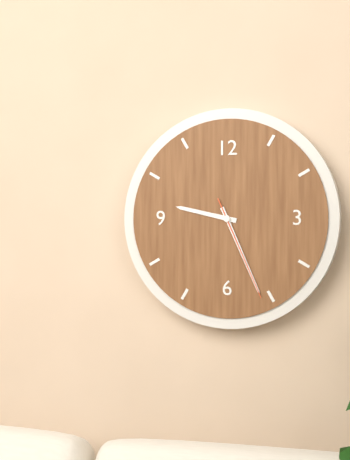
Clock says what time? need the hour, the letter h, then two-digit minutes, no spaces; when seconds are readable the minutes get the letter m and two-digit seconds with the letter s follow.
9h26m26s
